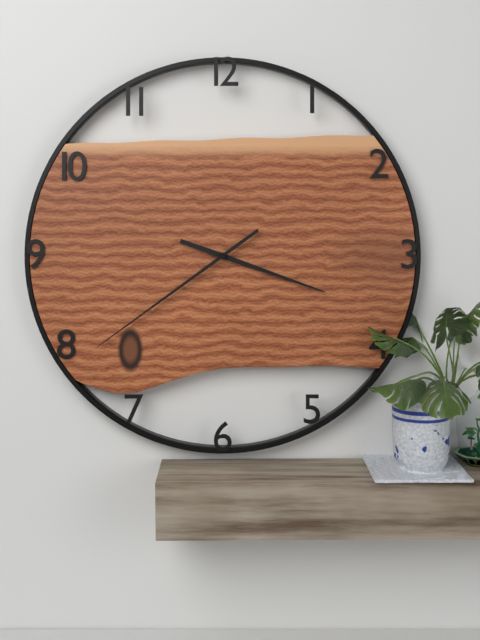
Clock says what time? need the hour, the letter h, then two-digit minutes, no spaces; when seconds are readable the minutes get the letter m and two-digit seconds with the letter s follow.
3h39
